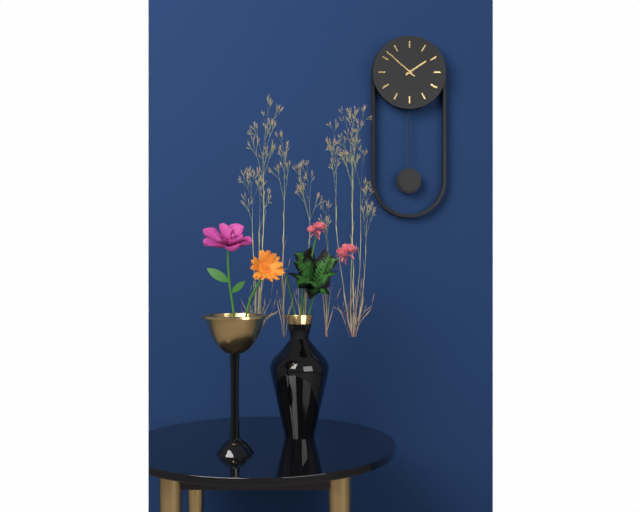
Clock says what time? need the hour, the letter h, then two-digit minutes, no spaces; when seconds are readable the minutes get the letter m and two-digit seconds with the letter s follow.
1h52
